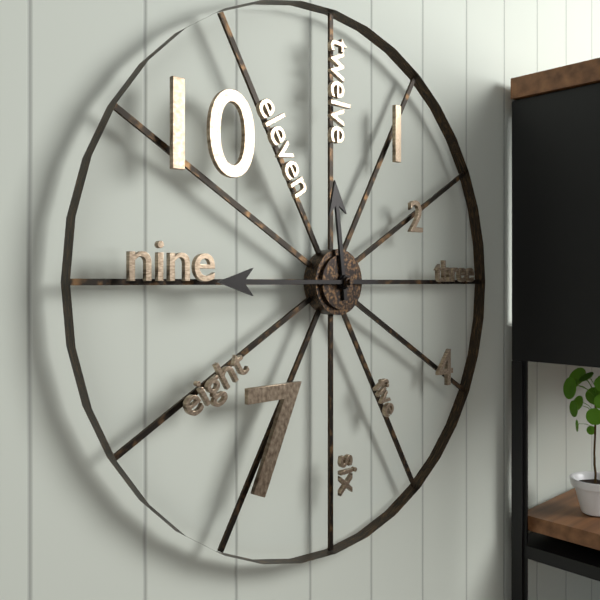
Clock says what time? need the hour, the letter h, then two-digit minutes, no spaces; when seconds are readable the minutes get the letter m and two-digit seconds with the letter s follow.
11h45
